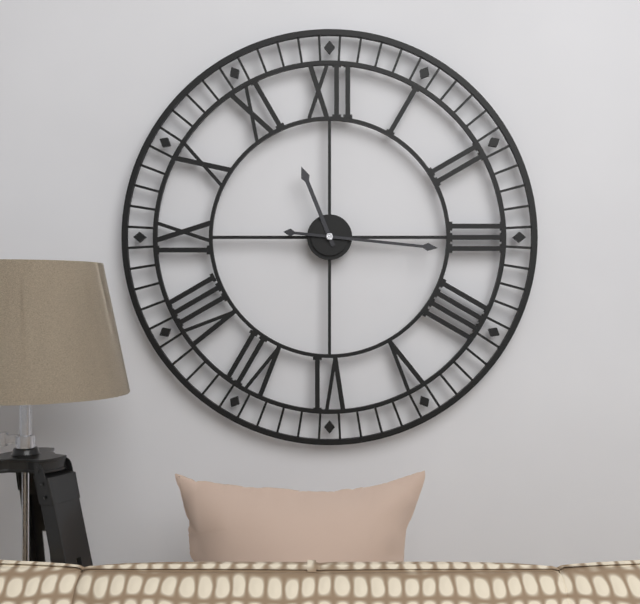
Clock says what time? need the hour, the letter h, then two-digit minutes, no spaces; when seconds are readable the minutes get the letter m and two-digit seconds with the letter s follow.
11h16
